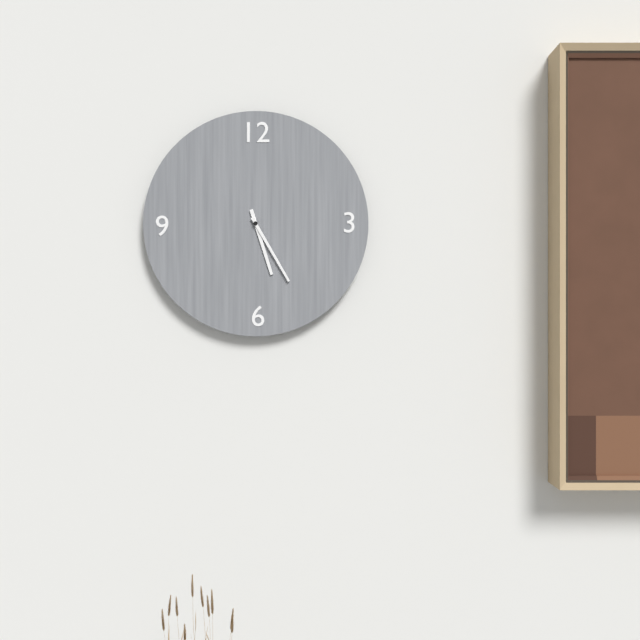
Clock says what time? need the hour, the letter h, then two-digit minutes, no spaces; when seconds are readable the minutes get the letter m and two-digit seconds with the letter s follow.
5h25
